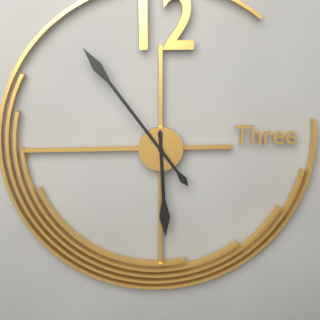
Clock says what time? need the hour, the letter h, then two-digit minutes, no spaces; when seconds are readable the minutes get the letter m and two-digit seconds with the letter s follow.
5h54
